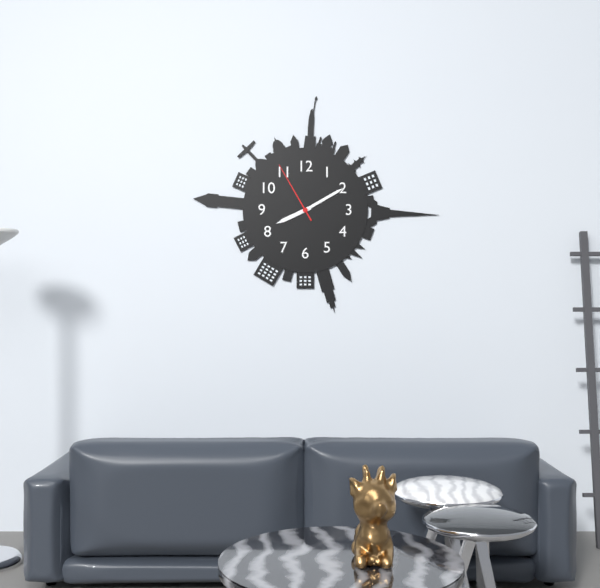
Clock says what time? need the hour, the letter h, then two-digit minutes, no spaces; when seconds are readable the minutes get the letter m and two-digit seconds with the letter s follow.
8h10m55s
